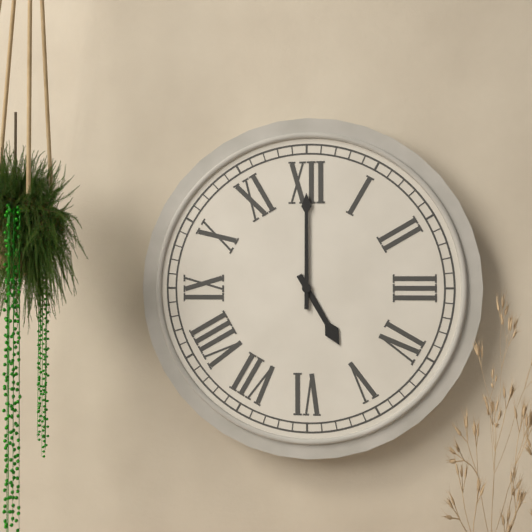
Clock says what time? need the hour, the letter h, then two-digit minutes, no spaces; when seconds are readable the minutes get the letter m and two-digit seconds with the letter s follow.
5h00
